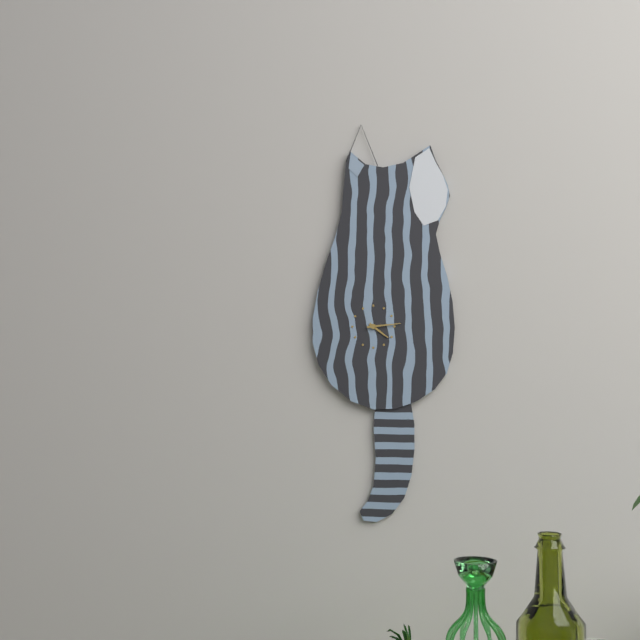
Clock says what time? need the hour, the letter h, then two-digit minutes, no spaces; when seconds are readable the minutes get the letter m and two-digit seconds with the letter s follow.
4h14
